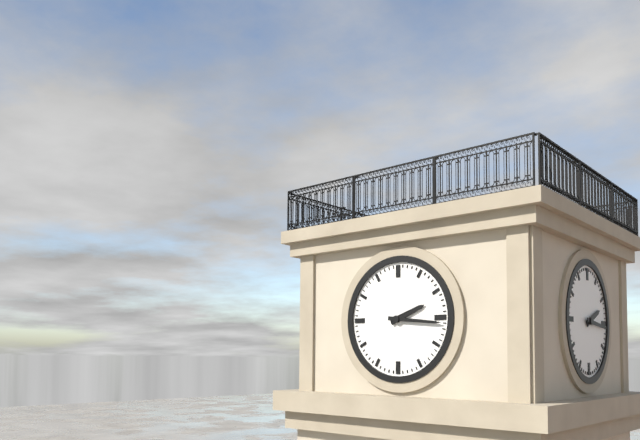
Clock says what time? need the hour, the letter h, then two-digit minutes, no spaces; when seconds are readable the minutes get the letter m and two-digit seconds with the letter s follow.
2h16
